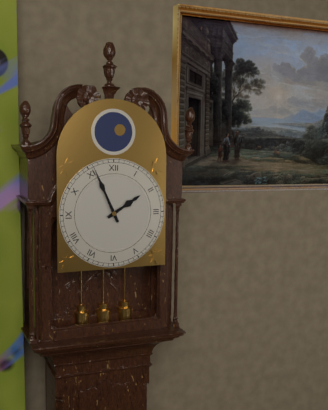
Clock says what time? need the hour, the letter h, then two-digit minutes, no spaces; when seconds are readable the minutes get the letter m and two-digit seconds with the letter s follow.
1h56
